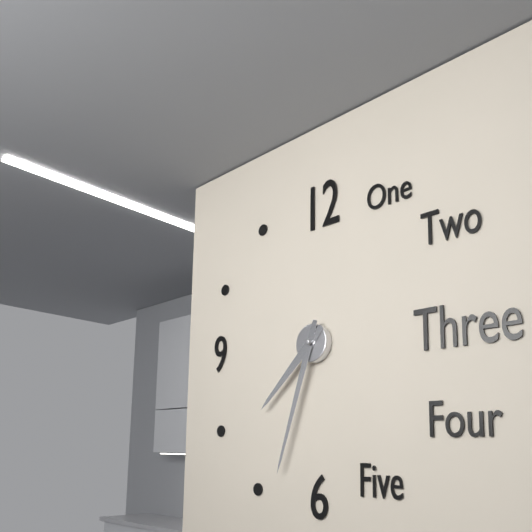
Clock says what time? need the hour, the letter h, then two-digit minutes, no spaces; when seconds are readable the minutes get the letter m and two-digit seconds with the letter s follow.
7h33
